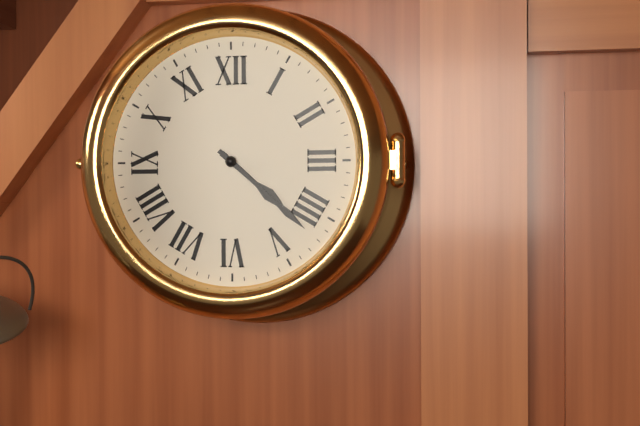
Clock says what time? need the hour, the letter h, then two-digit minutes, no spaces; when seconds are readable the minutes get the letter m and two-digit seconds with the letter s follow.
4h22
